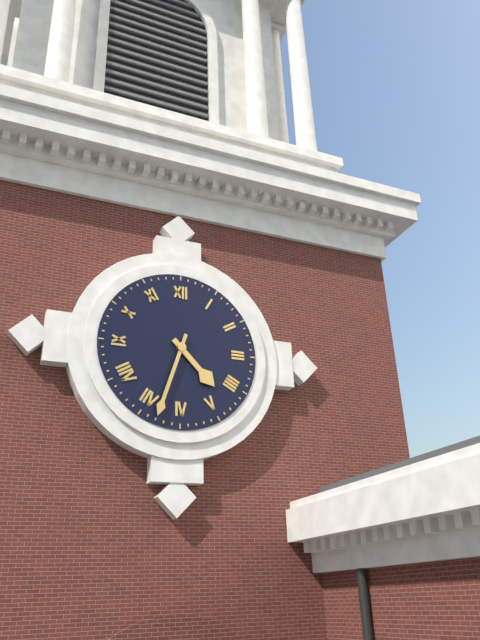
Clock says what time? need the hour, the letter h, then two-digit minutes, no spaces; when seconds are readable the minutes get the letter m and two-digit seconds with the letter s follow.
4h33
